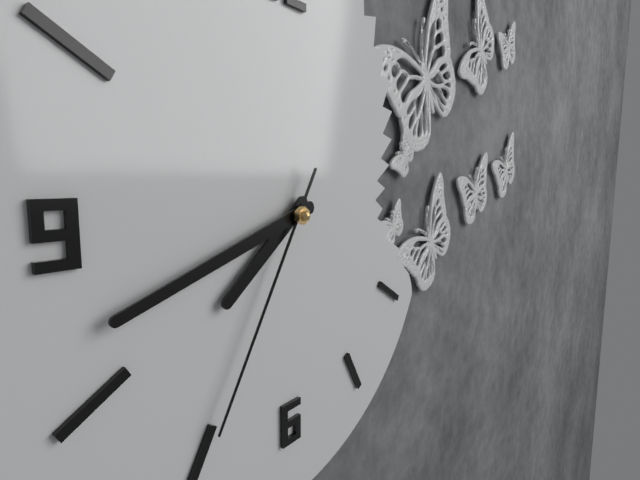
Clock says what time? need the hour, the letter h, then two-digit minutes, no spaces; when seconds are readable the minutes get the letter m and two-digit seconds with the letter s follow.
7h42m35s
